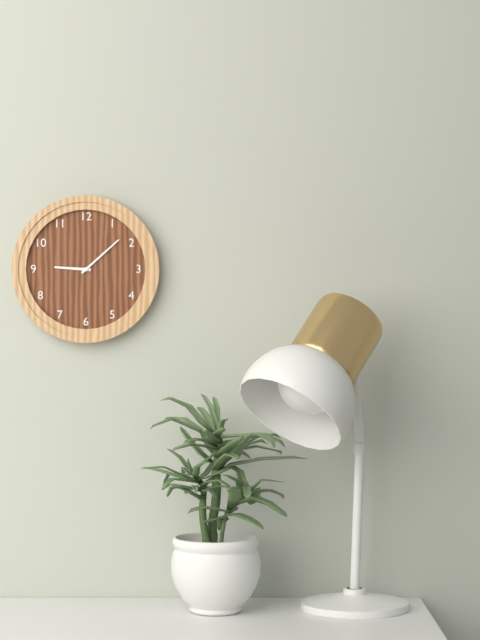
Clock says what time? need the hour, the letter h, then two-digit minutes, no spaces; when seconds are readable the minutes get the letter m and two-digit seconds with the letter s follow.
9h08
